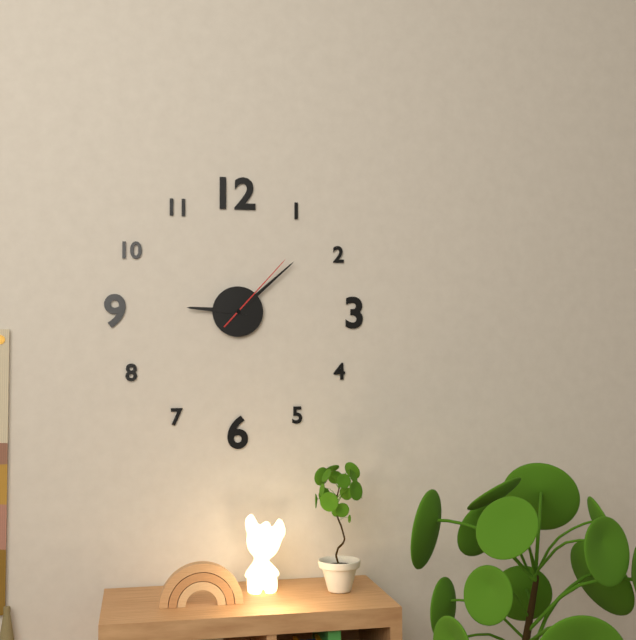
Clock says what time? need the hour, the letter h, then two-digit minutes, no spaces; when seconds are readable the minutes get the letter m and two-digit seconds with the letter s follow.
9h08m07s
